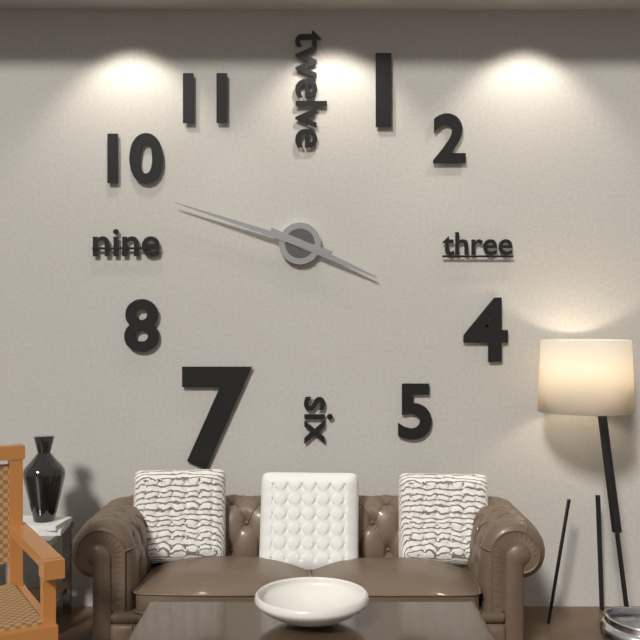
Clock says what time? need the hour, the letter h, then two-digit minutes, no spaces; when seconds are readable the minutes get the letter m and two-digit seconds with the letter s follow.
3h48
